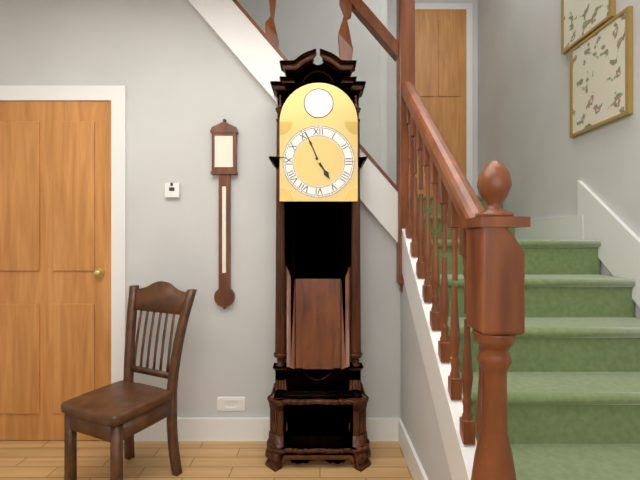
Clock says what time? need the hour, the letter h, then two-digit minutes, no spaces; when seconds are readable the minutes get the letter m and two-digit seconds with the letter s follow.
4h56
